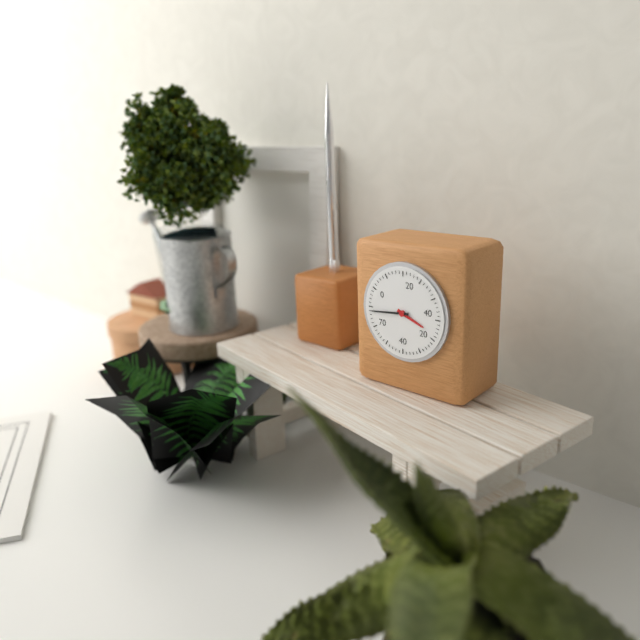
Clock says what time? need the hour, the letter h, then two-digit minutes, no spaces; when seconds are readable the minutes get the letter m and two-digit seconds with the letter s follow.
3h44
